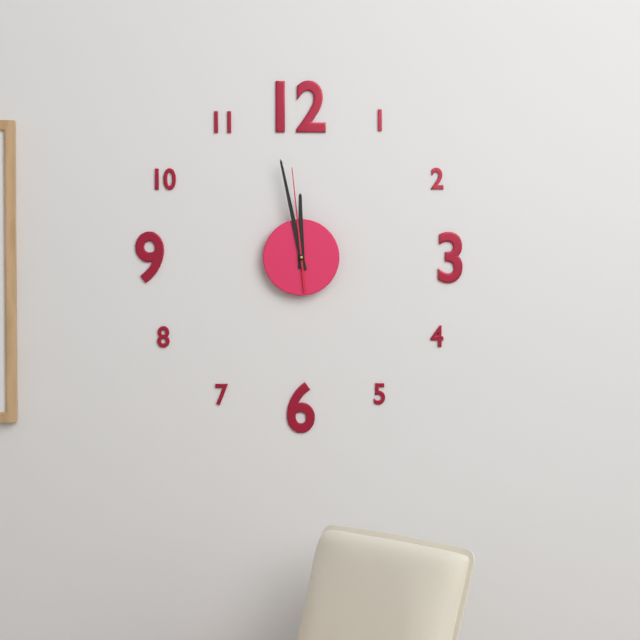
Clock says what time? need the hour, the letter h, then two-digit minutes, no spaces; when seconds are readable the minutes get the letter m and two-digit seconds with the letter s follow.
11h58m59s
